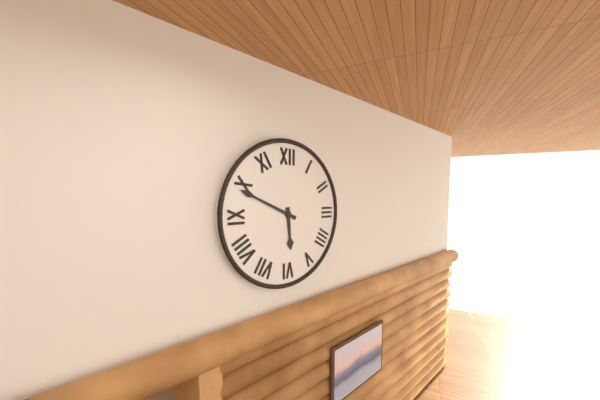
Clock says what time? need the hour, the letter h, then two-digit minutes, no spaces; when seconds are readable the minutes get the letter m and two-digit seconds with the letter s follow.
5h49
